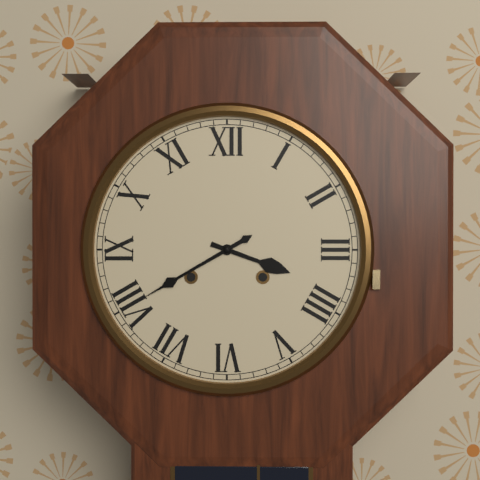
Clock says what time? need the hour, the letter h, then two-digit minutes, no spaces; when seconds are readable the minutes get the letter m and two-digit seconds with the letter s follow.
3h40
